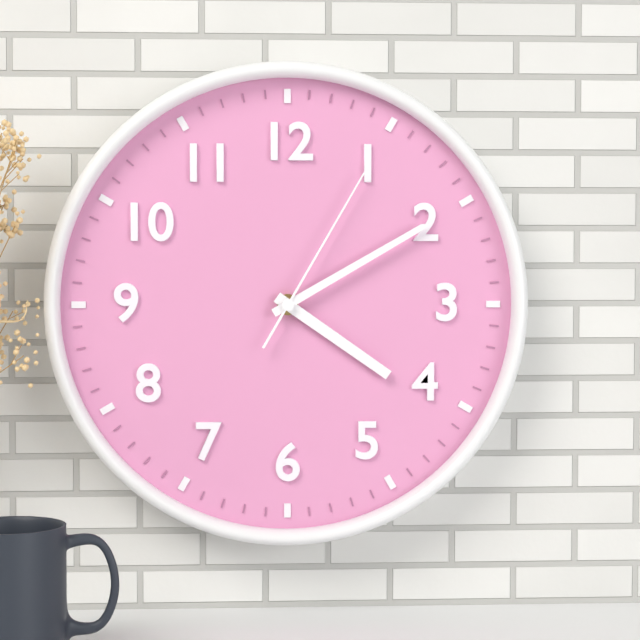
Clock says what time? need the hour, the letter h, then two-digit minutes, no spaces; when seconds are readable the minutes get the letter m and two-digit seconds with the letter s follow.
4h10m05s
